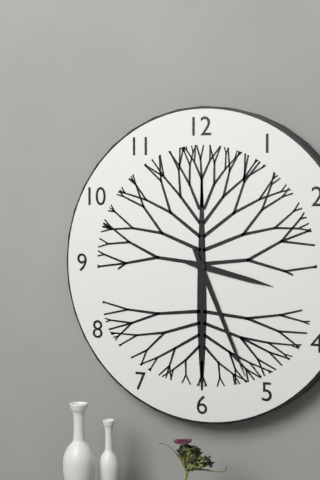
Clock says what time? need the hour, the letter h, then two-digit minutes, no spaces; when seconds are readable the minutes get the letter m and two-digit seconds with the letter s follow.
3h26
